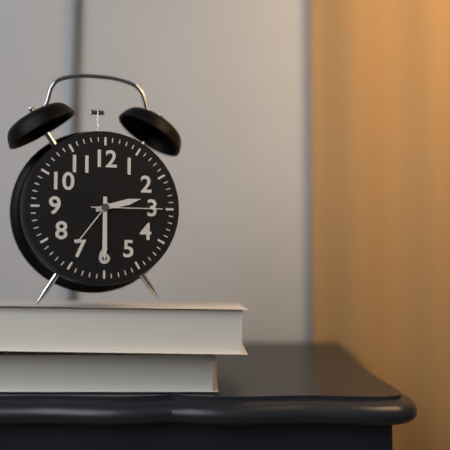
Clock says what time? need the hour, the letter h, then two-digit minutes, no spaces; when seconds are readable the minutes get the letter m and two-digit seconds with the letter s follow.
2h30m15s
